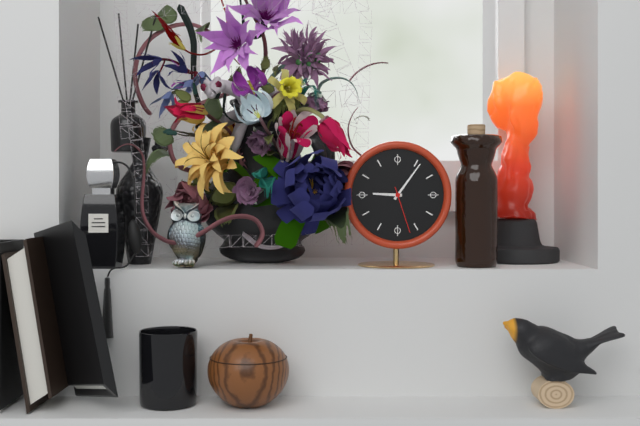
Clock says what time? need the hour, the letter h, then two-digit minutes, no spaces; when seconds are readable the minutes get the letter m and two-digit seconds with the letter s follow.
9h06m27s
